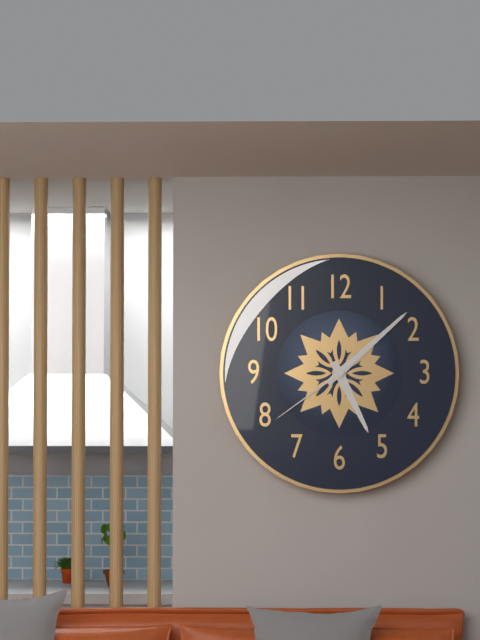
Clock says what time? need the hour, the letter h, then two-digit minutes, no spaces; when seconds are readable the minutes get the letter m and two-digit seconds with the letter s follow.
5h08m39s
